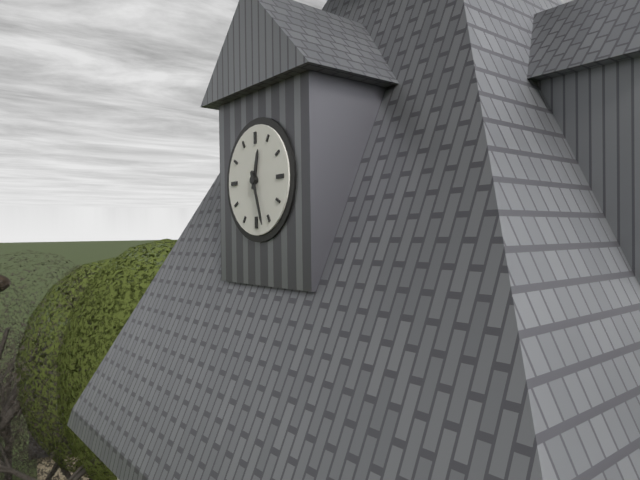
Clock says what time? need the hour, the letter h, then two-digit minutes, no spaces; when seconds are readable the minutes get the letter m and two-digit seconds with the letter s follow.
12h27
